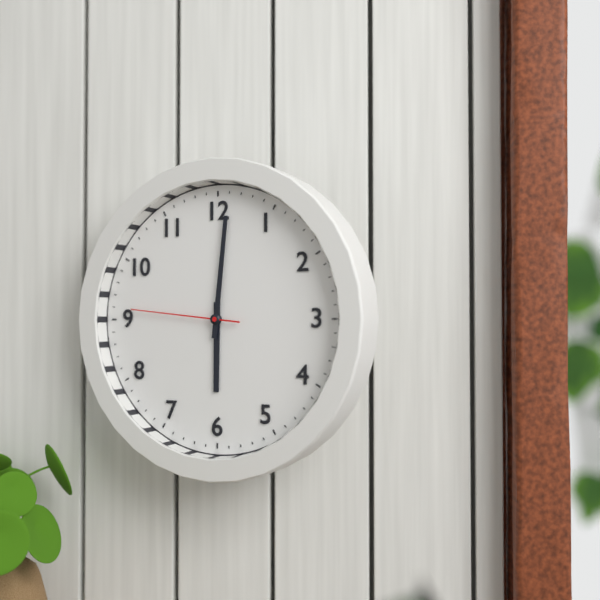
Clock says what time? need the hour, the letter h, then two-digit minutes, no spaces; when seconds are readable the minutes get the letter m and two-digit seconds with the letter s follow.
6h01m46s
